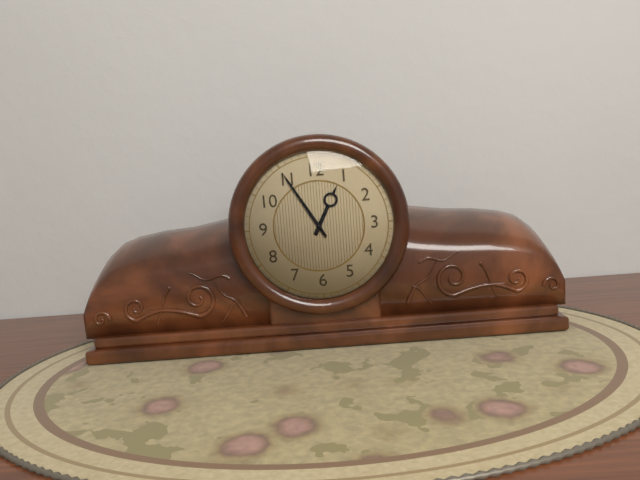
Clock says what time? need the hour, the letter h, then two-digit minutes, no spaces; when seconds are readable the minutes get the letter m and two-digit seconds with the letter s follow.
12h55
